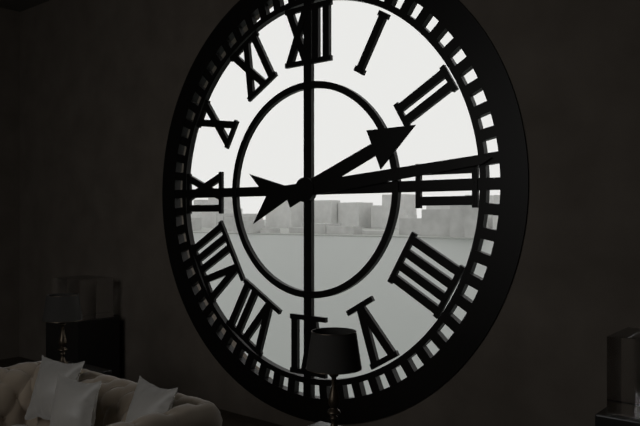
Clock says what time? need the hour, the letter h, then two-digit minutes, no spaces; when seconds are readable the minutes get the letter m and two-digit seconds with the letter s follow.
2h14
